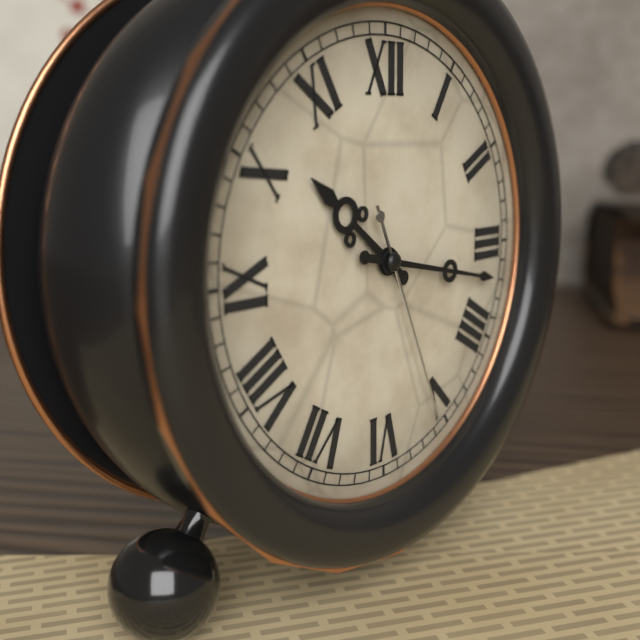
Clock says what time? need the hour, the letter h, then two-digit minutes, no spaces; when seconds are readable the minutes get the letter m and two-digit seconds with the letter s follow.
10h17m26s
